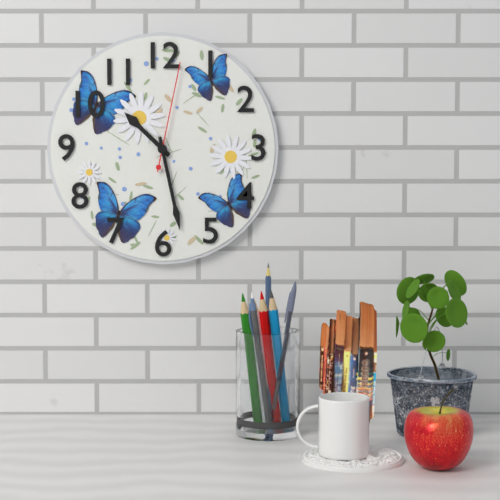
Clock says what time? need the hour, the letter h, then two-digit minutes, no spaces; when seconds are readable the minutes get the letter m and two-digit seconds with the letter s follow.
10h28m02s
